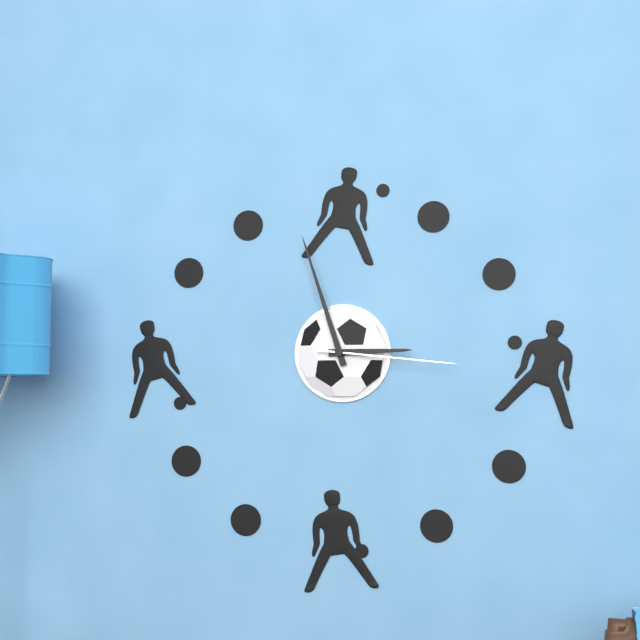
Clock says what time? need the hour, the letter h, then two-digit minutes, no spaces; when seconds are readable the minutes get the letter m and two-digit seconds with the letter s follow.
2h57m16s
